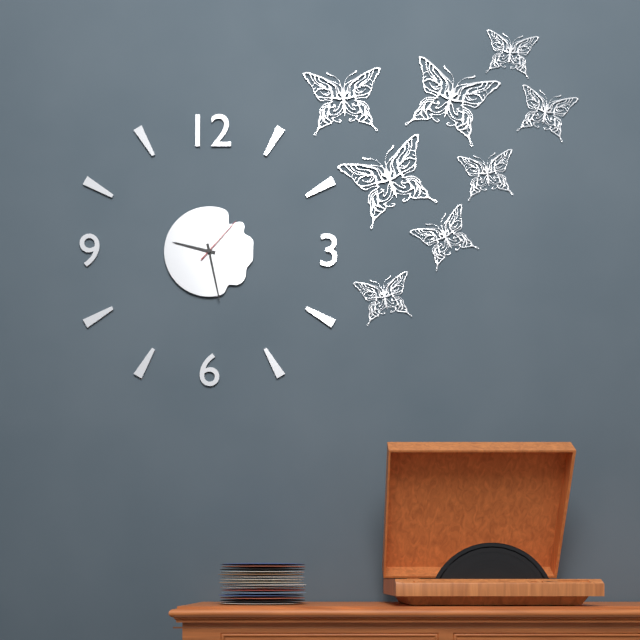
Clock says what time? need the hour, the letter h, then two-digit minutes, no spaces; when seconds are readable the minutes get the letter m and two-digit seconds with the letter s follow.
9h28m07s
